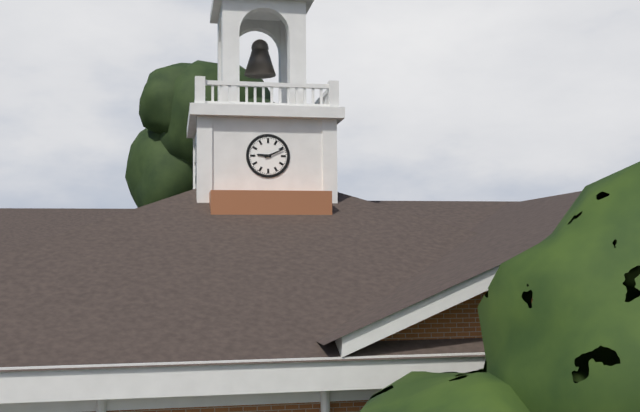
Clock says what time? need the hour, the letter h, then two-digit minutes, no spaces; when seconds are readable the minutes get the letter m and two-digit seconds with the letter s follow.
9h11
